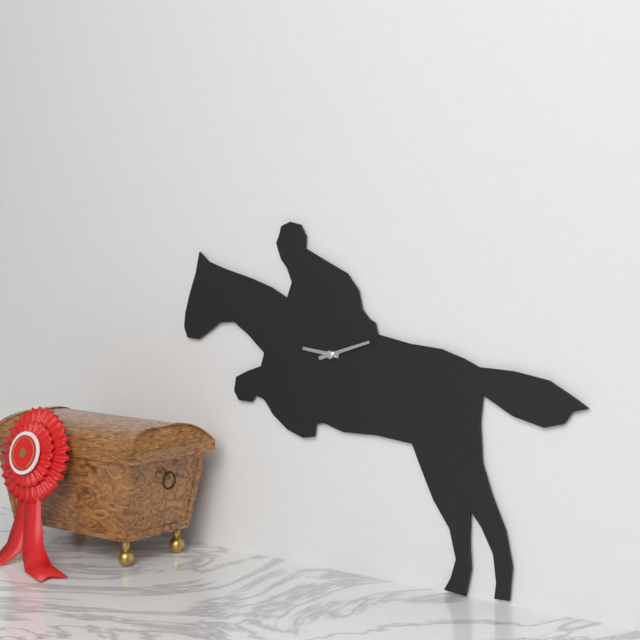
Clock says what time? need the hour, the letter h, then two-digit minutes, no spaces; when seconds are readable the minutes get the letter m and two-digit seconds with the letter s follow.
9h12
